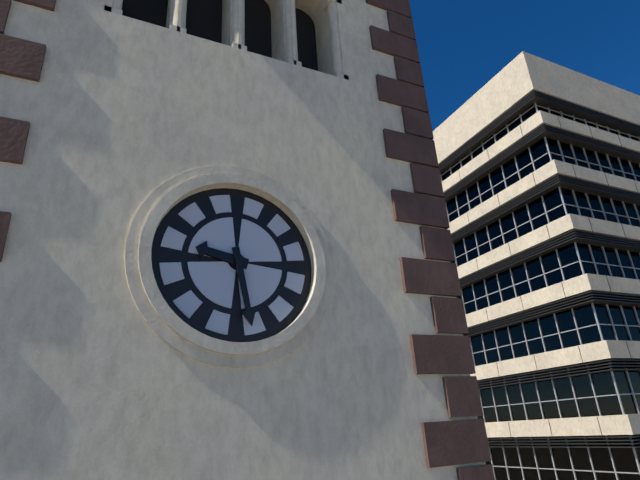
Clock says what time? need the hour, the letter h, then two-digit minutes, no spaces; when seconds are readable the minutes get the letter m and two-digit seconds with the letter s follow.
9h28
